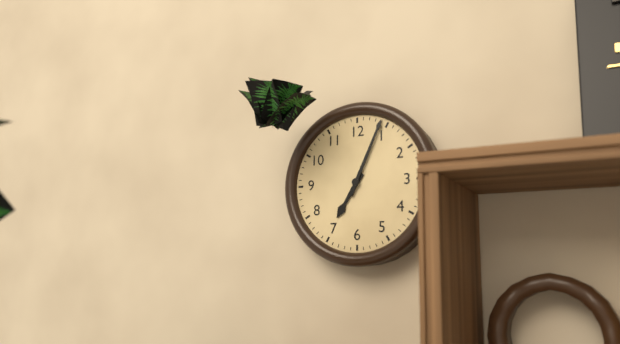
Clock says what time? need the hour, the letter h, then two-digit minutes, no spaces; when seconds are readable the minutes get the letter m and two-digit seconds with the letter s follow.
7h04
